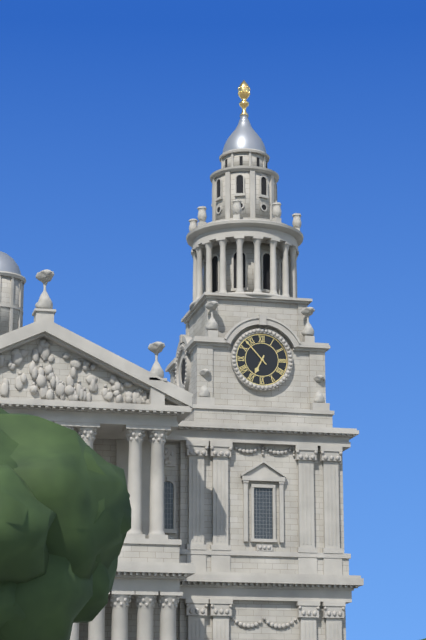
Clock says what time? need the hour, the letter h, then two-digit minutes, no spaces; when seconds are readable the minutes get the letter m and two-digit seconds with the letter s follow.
6h53
